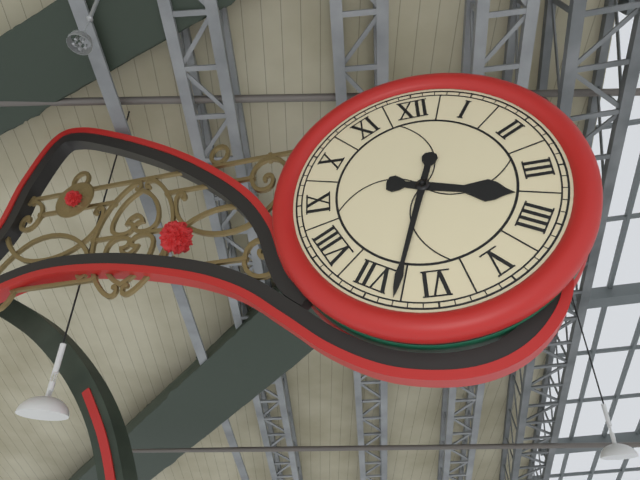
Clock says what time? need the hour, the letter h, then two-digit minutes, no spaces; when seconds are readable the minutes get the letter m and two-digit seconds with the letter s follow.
3h33
